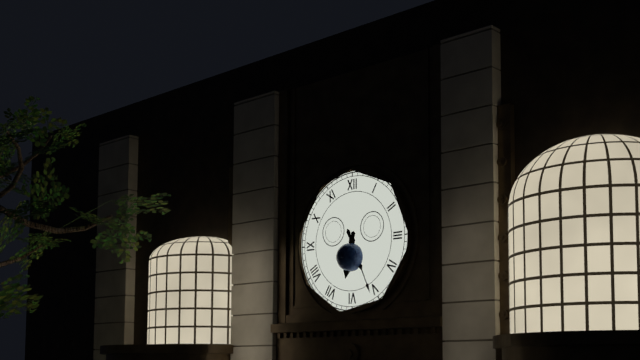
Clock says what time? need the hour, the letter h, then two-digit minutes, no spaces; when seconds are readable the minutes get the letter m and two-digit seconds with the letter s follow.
6h26
